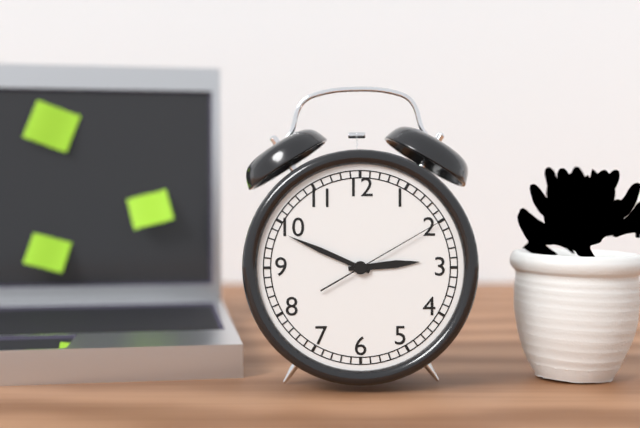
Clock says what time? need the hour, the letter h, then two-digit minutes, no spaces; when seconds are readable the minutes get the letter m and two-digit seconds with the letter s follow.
2h49m10s
